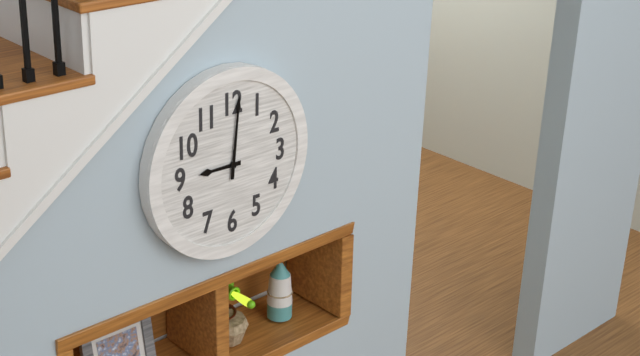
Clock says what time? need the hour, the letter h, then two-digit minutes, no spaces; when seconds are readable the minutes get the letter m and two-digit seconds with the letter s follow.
9h01
